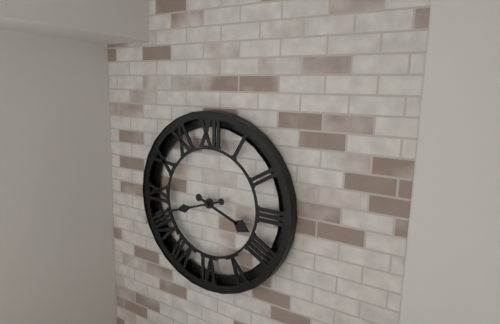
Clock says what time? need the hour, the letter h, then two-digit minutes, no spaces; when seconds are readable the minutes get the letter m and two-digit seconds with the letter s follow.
3h42
